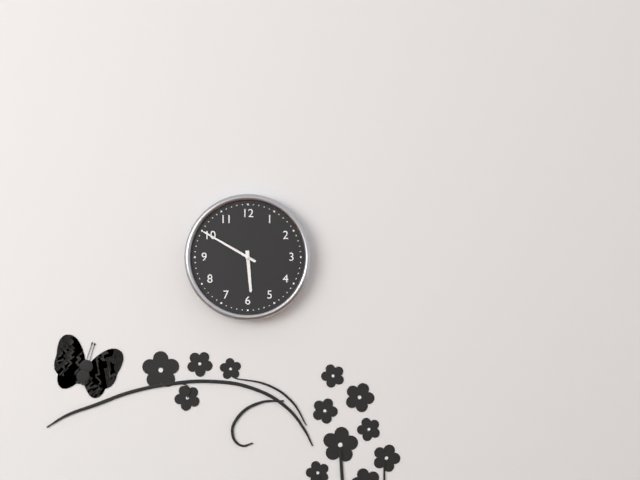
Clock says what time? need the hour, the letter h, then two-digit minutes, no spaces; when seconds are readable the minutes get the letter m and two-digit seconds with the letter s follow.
5h50
